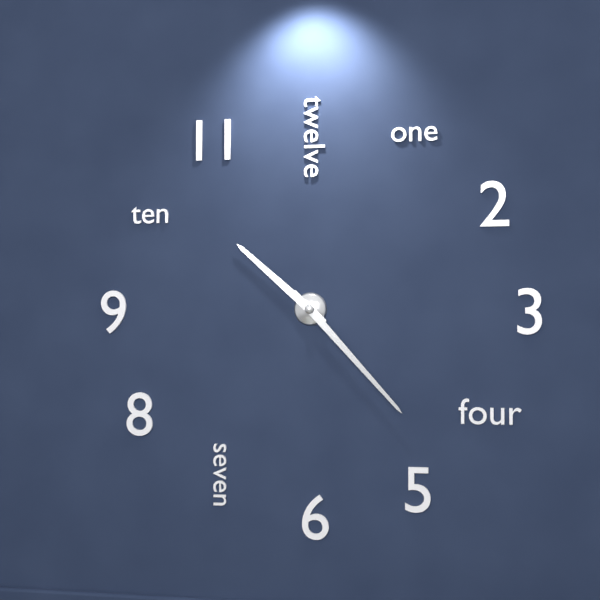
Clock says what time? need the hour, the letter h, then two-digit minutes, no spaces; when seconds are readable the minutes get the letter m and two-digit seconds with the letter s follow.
10h23
